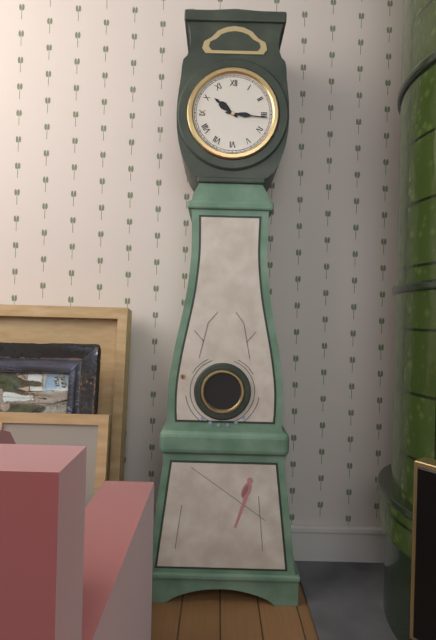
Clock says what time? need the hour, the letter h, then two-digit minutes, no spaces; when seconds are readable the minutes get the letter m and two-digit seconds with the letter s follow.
10h16
